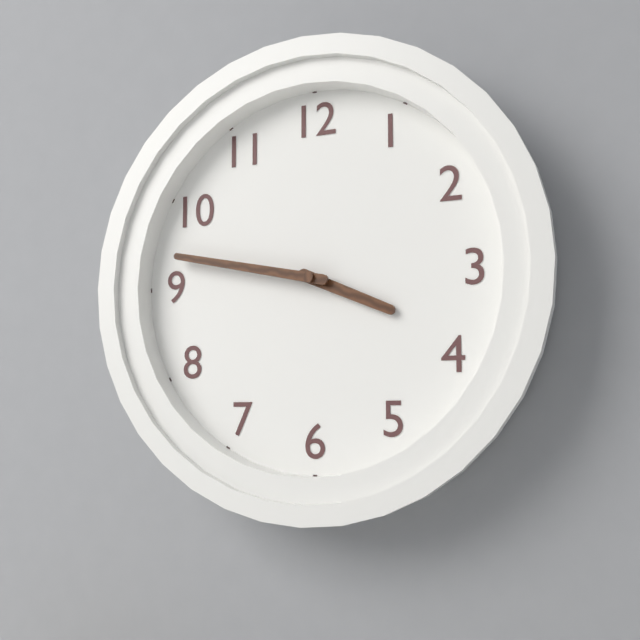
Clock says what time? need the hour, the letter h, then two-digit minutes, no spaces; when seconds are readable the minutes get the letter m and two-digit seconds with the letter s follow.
3h47
